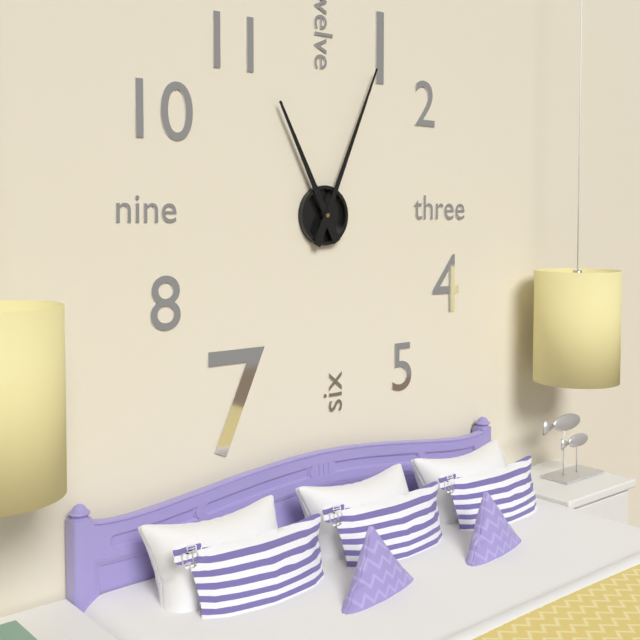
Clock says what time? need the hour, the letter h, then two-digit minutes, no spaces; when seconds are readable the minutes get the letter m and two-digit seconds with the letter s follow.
11h04
